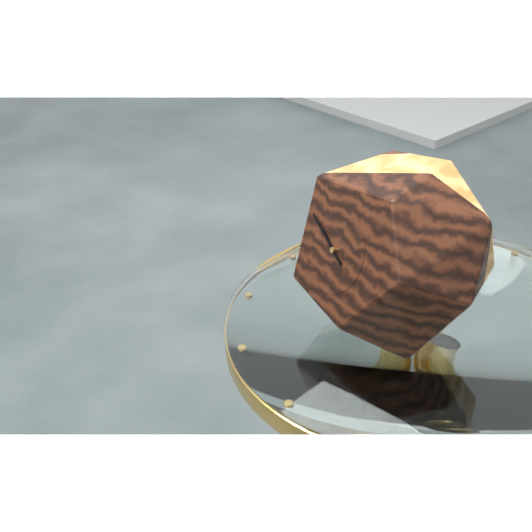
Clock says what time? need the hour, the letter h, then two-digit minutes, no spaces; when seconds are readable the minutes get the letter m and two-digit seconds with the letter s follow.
9h49
